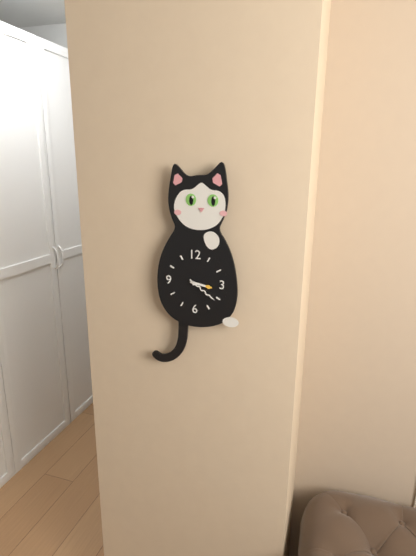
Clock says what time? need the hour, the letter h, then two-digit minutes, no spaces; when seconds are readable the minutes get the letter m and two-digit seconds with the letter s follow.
3h21
